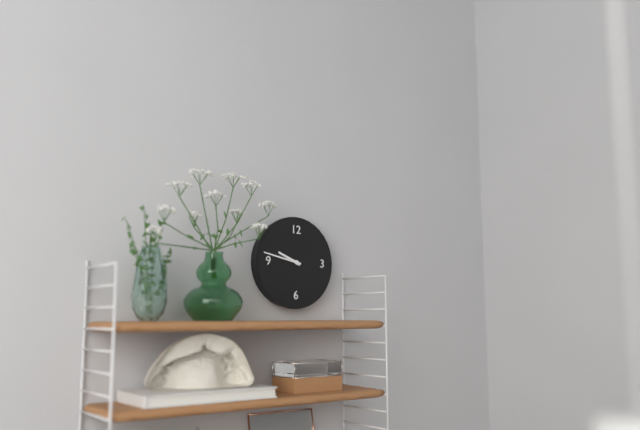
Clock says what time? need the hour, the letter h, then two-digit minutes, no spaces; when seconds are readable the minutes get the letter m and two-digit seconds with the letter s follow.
9h47
